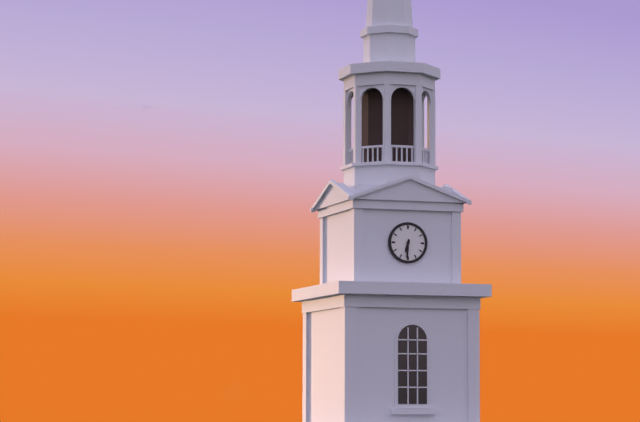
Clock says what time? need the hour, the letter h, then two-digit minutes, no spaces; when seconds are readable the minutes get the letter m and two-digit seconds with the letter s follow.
6h31
